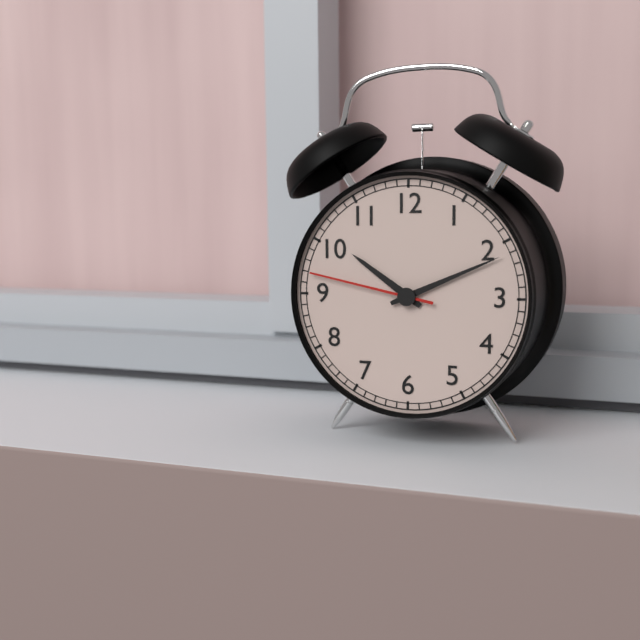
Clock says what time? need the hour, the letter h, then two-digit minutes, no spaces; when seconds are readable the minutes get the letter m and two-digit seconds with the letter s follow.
10h11m47s
